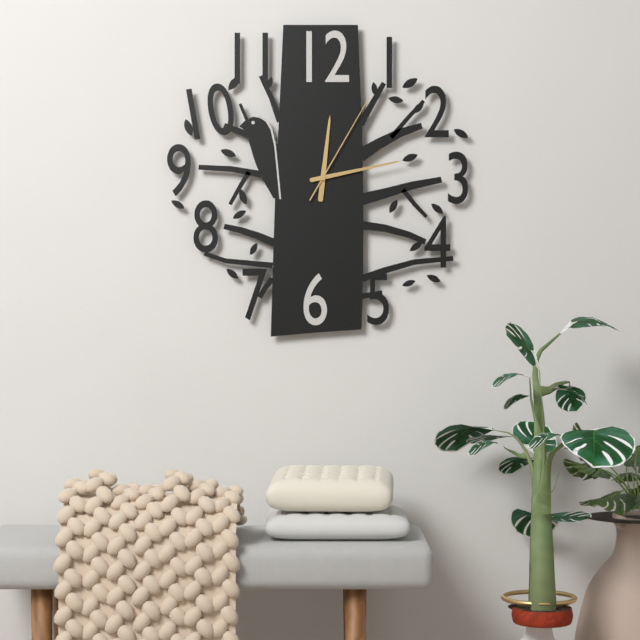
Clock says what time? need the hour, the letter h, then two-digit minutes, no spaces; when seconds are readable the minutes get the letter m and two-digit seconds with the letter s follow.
12h13m05s
